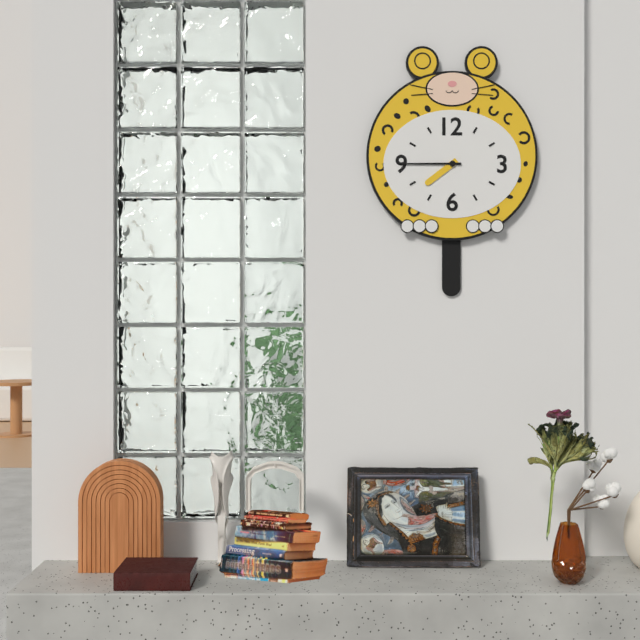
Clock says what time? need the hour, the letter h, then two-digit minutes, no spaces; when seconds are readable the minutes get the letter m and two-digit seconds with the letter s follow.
7h45
